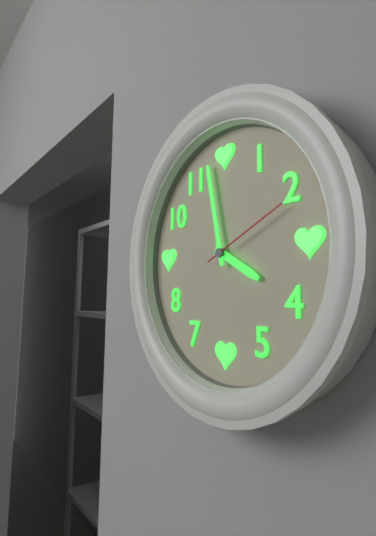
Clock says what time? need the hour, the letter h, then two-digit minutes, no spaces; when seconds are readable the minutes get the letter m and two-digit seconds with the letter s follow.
3h58m11s
